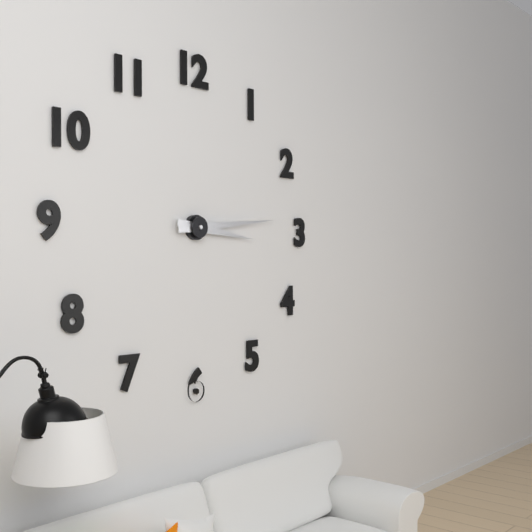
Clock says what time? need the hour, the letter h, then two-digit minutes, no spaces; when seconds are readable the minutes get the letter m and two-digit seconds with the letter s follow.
3h14
